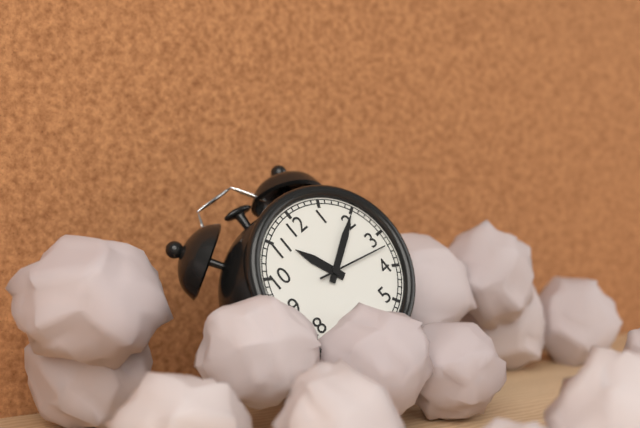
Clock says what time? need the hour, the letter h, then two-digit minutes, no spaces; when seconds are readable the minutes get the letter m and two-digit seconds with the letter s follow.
11h10m17s
